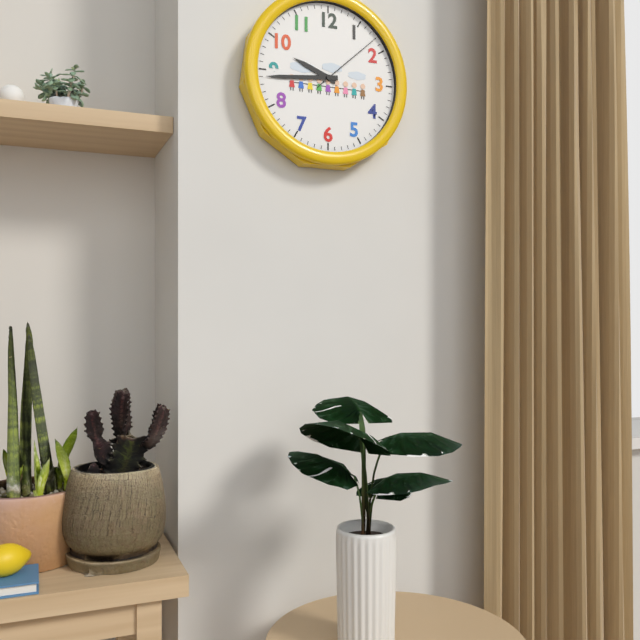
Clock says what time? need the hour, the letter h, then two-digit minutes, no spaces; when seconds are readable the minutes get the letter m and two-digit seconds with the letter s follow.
9h44m08s
